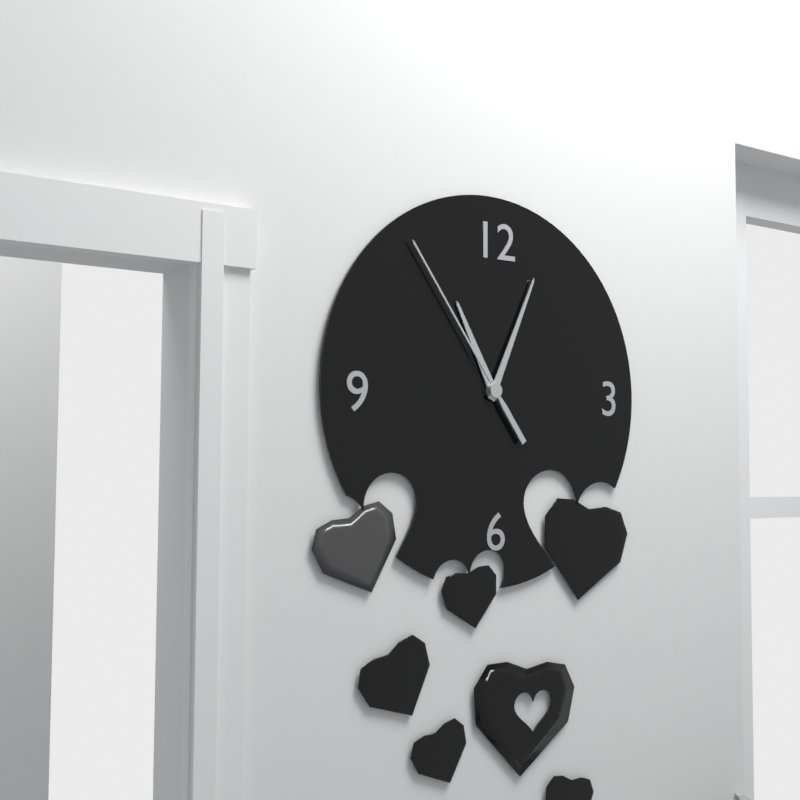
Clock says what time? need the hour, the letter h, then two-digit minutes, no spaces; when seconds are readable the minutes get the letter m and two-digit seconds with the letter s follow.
11h04m54s
